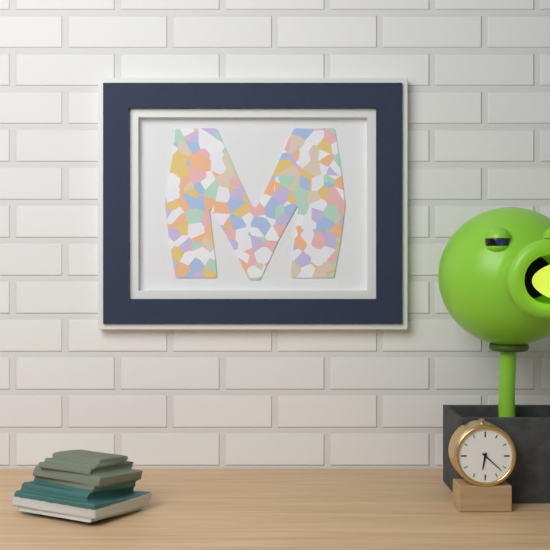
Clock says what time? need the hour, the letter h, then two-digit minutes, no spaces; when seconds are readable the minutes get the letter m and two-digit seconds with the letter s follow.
6h22
